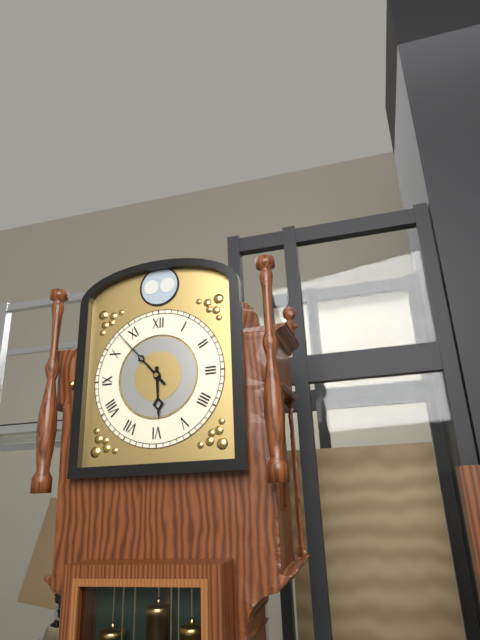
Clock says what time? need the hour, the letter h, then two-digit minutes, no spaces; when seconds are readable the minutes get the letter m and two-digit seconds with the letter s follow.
5h53
